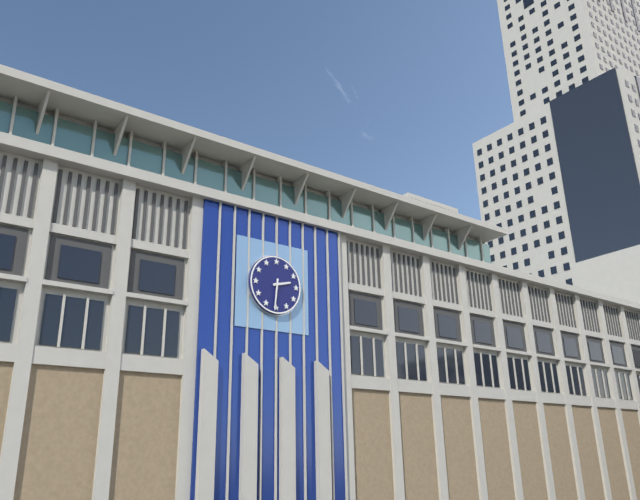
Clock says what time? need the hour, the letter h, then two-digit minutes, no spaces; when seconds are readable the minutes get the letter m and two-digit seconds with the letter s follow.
2h31
